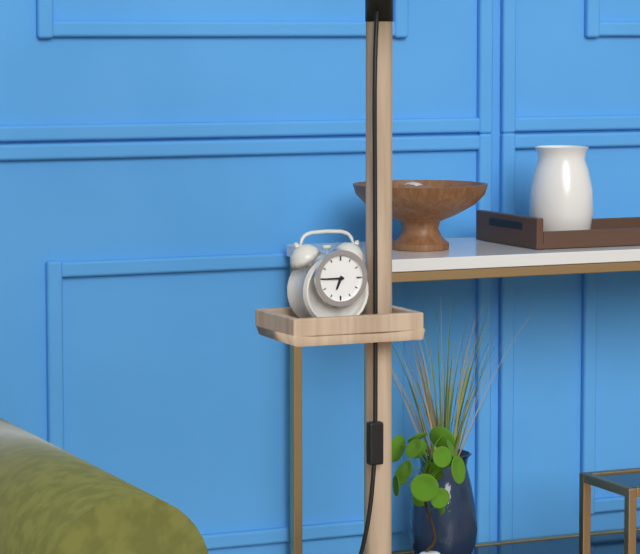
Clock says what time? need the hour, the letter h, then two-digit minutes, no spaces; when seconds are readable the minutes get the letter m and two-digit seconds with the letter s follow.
6h45
